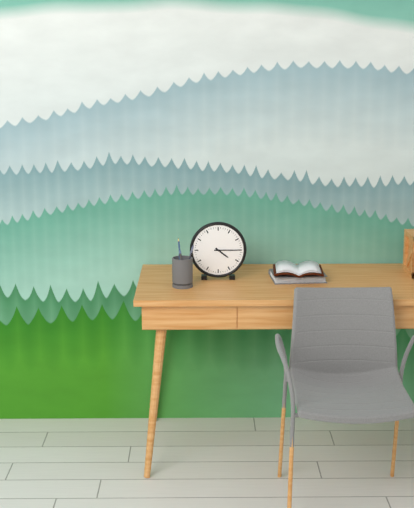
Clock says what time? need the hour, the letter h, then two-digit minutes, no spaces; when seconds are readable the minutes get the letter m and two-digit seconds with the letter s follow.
4h15
